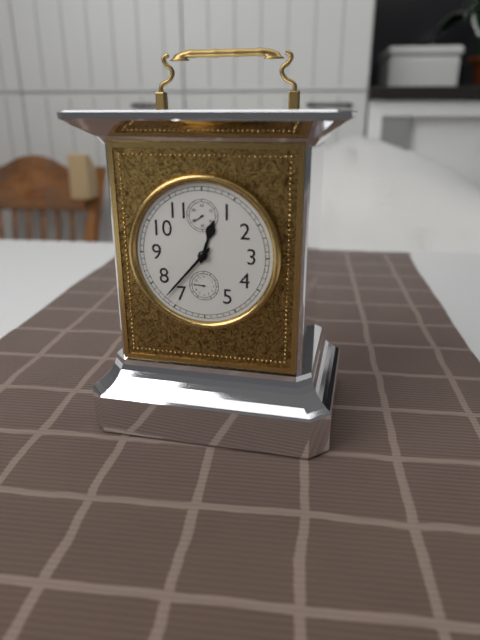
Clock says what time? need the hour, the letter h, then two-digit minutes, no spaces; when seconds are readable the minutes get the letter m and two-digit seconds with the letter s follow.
12h37
